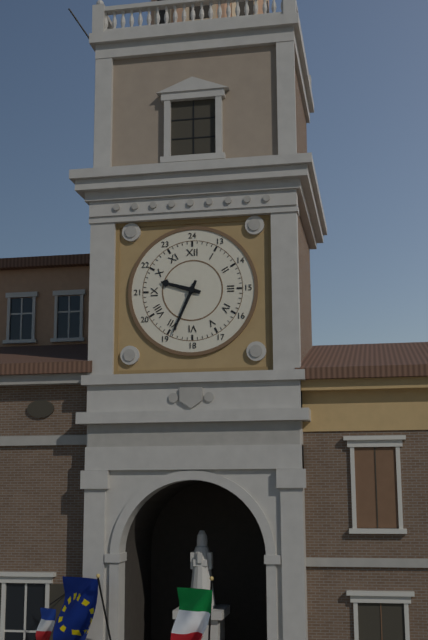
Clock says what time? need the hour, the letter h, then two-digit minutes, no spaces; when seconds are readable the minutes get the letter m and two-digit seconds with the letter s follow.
9h34
